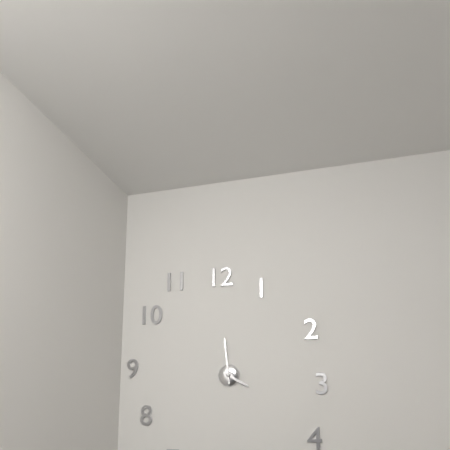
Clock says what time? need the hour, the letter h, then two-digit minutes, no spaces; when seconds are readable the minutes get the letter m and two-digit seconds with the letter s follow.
3h59
